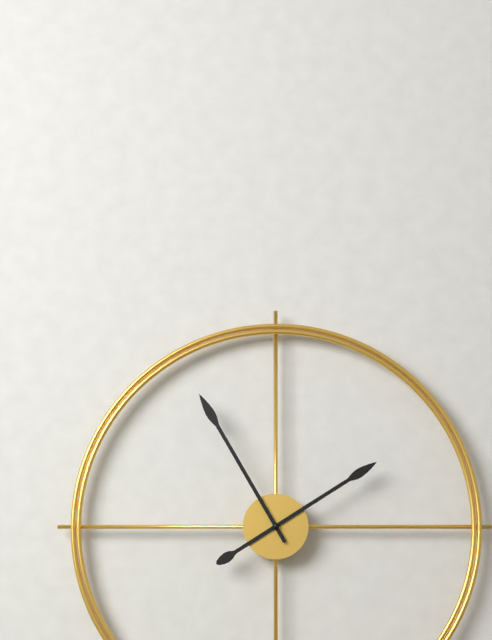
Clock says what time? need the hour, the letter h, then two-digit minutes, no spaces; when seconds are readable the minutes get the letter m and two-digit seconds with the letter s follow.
1h55
